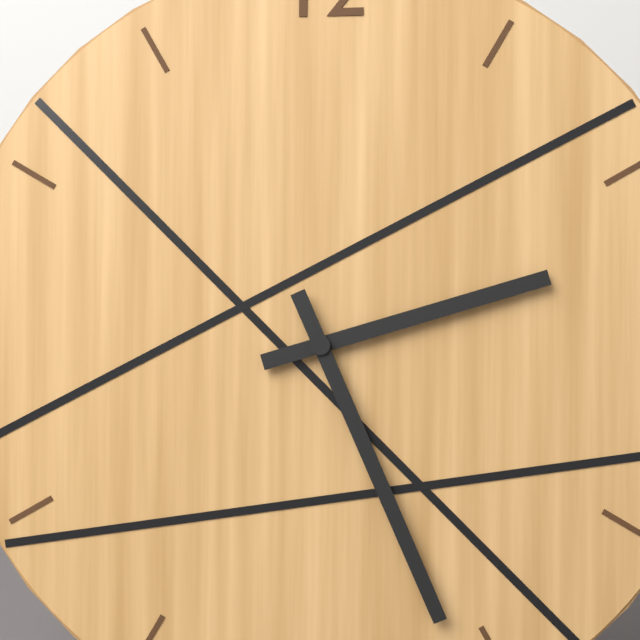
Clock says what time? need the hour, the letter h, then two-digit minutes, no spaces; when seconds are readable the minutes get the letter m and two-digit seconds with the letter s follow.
2h26
